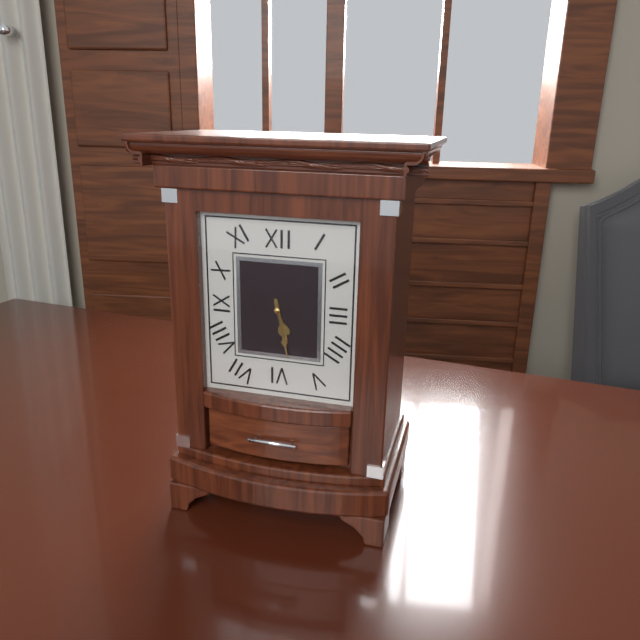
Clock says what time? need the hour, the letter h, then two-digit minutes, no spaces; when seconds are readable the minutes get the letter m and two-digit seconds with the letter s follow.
5h28
